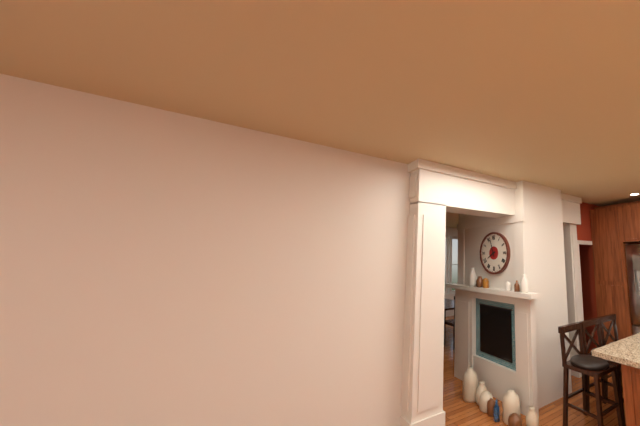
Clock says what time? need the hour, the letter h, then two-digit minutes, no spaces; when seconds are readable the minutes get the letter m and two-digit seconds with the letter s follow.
7h57
